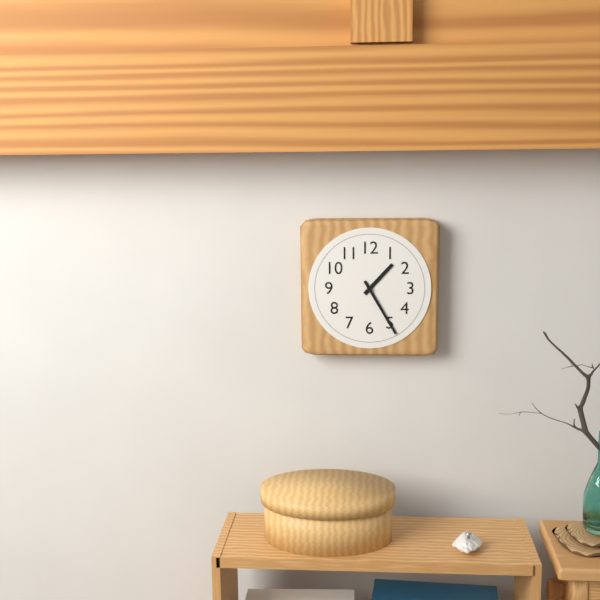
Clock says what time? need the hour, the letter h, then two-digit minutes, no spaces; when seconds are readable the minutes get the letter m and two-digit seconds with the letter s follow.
1h25
